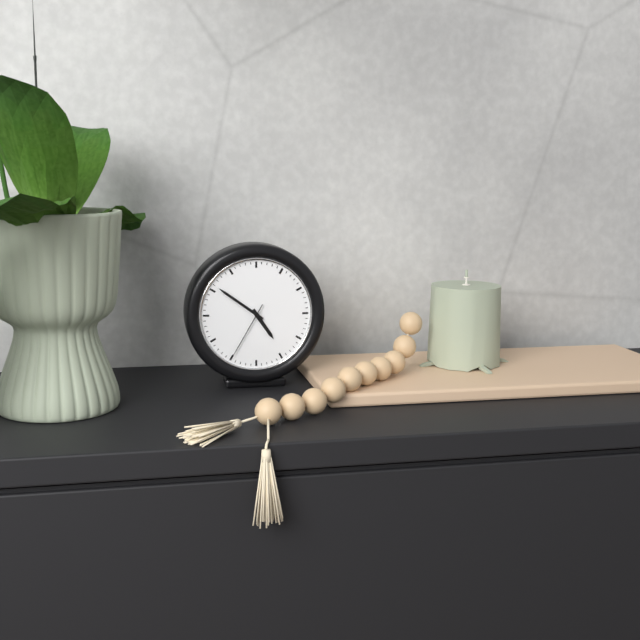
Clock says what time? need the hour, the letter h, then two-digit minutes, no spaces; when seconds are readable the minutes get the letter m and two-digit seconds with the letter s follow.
4h51m35s
